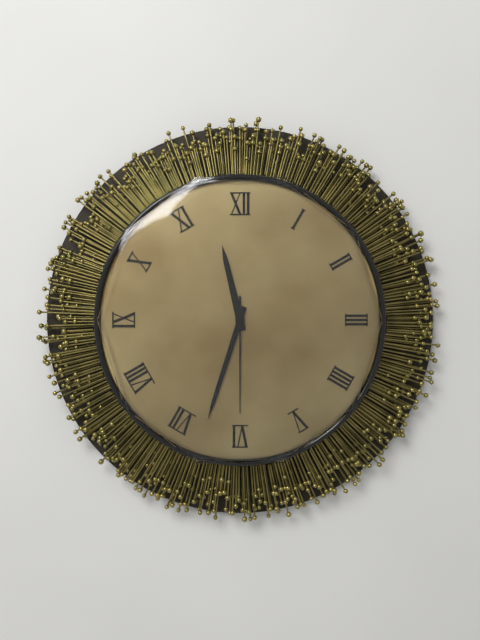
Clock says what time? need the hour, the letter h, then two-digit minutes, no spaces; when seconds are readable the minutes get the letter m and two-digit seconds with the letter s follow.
11h33m30s
